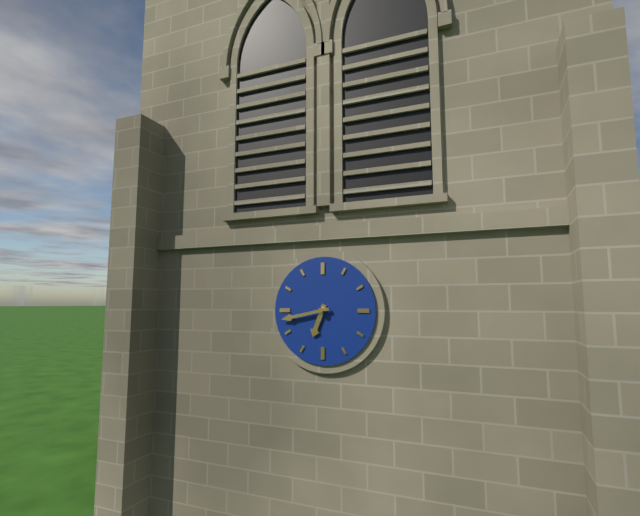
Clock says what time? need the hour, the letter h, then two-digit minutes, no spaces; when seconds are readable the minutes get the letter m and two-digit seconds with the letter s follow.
6h43
